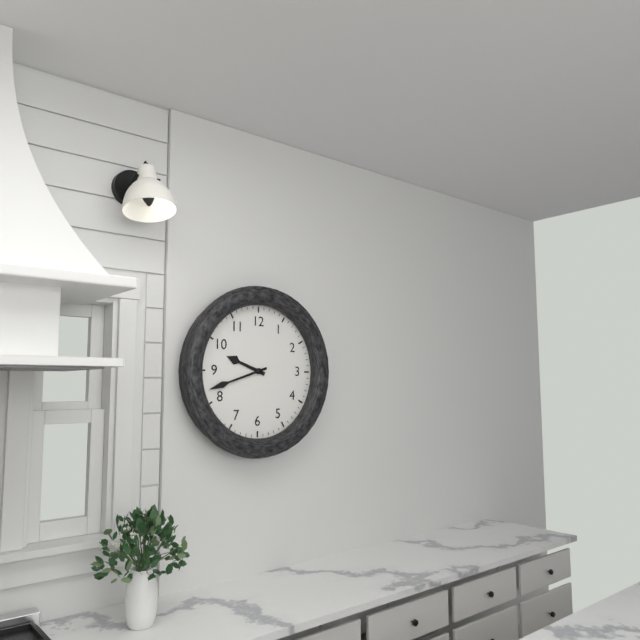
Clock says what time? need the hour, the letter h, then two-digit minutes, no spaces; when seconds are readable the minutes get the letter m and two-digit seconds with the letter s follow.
9h42
